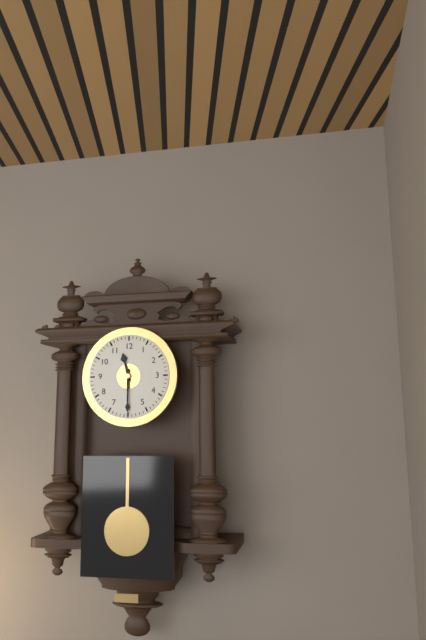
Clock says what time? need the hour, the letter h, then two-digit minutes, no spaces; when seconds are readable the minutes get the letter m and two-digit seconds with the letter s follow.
11h30
